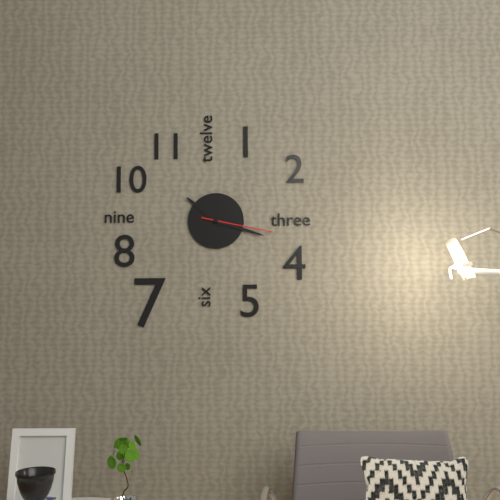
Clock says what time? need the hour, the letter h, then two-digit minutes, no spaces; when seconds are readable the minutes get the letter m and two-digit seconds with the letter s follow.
10h18m17s
